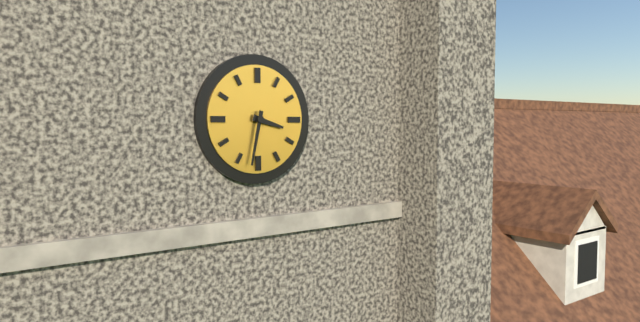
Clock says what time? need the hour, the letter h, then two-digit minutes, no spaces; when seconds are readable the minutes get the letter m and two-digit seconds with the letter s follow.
3h32
